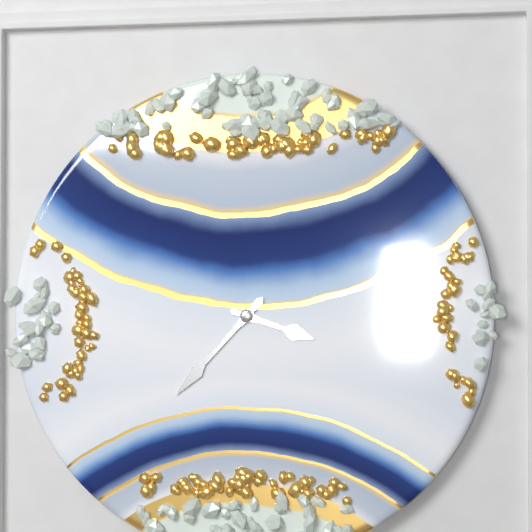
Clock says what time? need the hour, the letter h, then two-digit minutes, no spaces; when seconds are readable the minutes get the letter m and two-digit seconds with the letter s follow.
3h37
